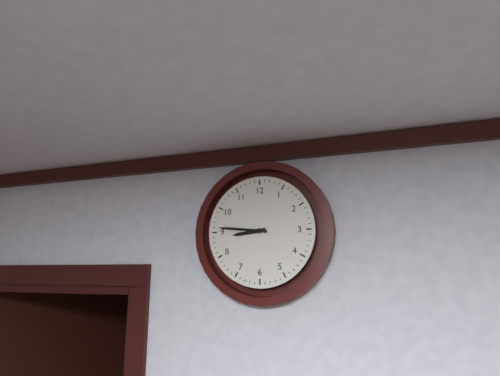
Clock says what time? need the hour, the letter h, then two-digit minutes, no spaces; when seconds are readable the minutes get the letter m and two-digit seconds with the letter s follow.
8h46
